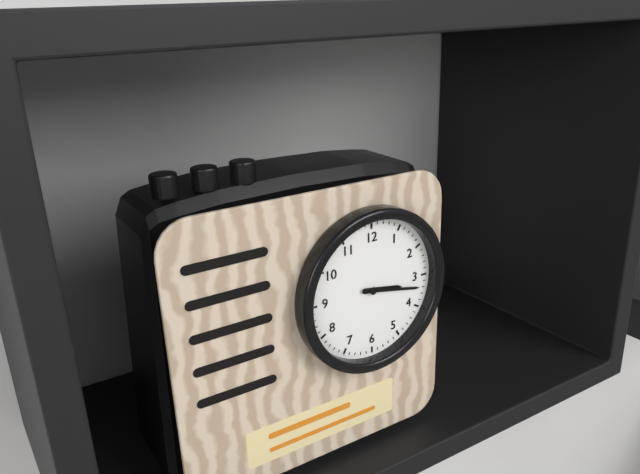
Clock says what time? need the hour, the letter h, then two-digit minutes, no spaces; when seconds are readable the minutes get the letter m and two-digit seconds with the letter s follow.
3h17
